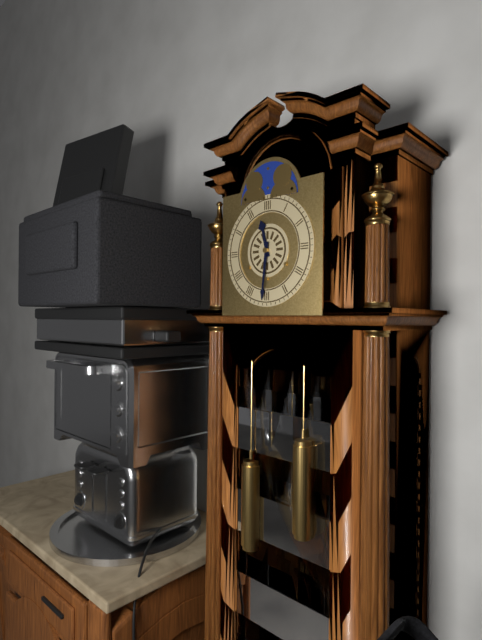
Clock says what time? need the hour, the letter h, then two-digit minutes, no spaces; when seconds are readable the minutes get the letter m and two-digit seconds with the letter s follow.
11h31
